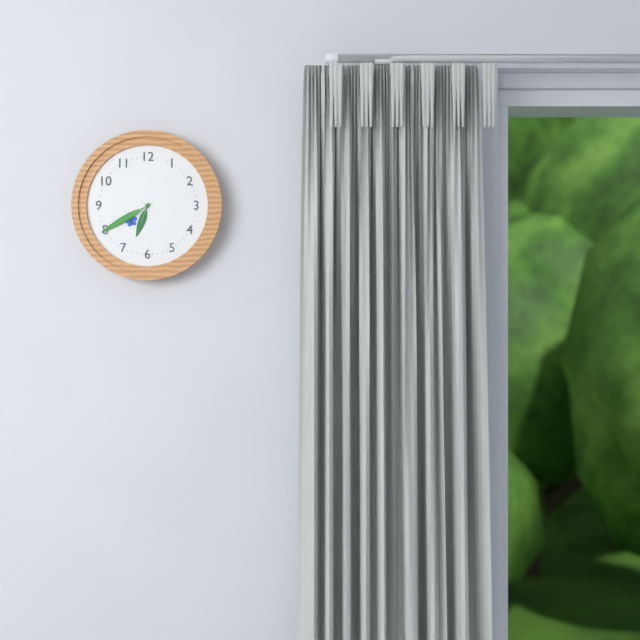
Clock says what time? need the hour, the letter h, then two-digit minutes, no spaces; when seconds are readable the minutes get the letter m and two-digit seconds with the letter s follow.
6h40
